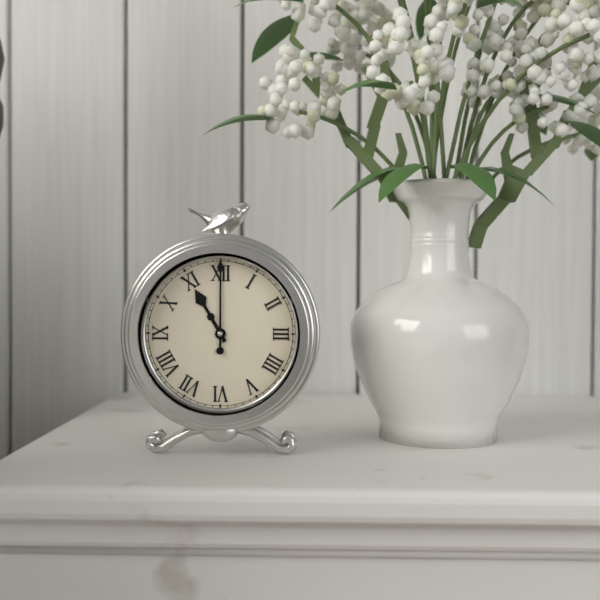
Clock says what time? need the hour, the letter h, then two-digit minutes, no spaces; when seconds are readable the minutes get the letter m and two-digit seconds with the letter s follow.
11h00
